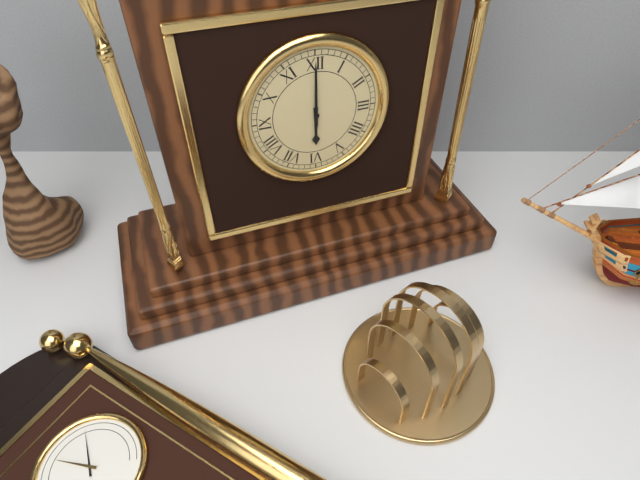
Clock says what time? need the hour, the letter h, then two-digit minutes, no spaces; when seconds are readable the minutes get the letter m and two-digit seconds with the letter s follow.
6h00
